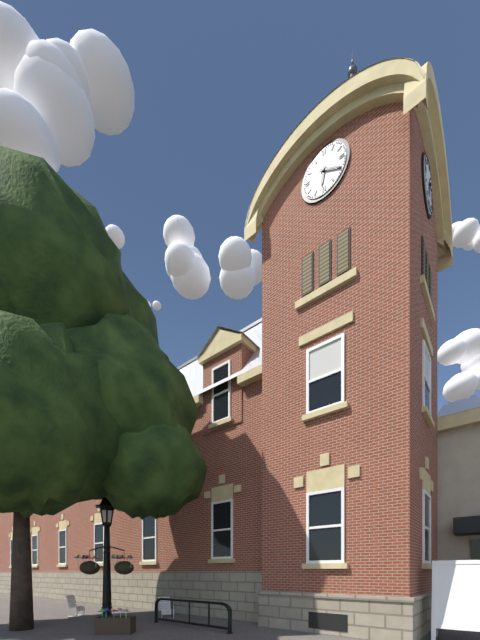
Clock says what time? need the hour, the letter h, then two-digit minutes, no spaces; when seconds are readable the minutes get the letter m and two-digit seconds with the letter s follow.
6h20
